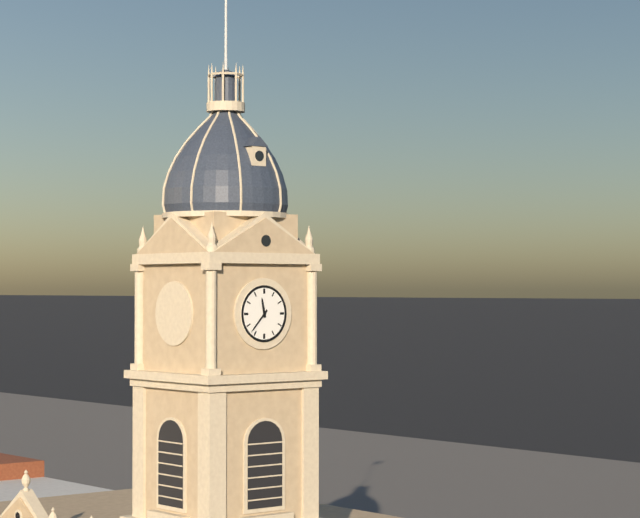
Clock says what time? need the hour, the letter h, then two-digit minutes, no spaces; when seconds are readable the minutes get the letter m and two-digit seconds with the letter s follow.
11h37
